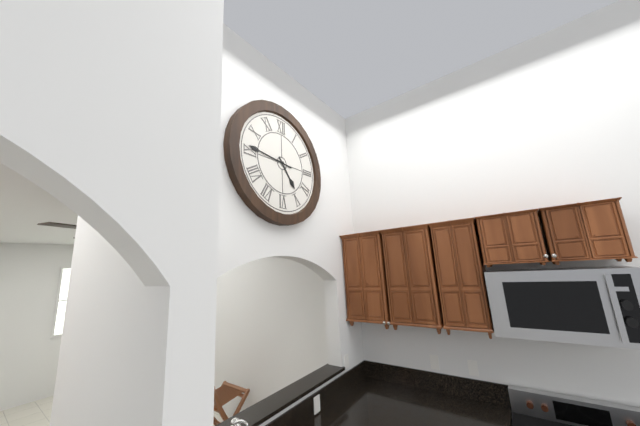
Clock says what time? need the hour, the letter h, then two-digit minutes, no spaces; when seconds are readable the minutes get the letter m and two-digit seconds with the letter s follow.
4h46
